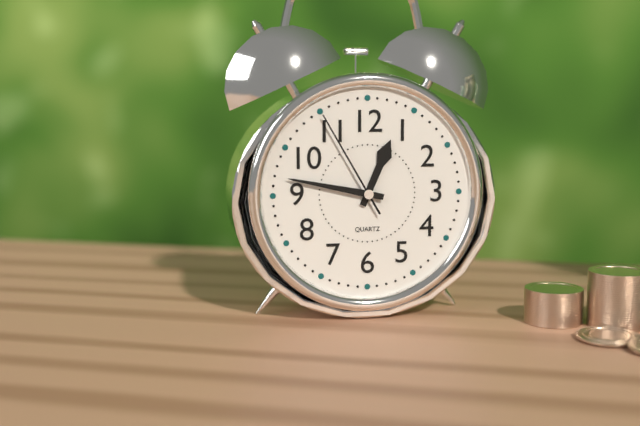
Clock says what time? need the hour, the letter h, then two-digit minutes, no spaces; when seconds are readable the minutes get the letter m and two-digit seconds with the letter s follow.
12h47m55s
